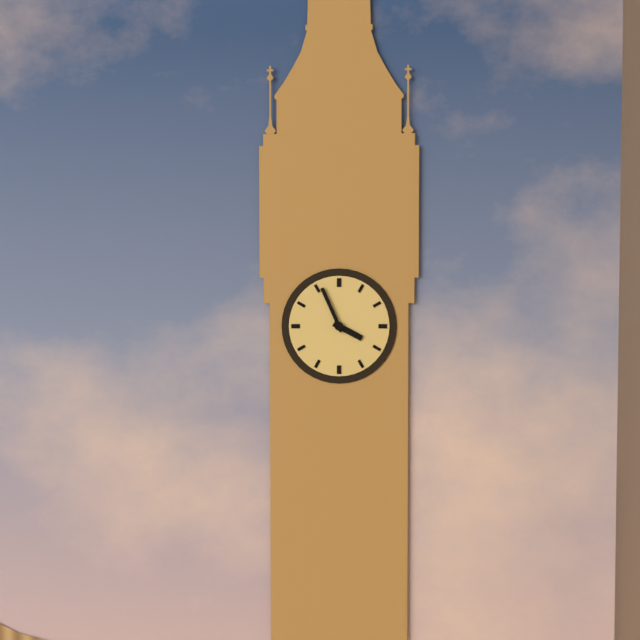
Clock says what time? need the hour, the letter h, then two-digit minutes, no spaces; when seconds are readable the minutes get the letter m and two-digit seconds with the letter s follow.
3h56
